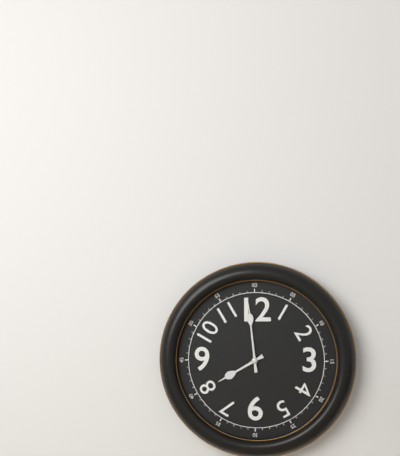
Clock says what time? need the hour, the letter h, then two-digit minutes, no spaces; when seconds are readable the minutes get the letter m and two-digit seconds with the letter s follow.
7h59
